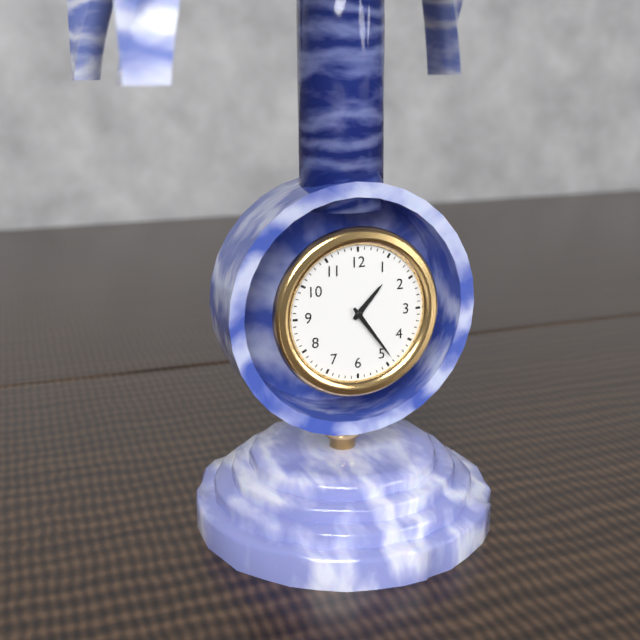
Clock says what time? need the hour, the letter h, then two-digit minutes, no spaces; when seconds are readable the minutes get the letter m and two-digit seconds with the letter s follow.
1h24
